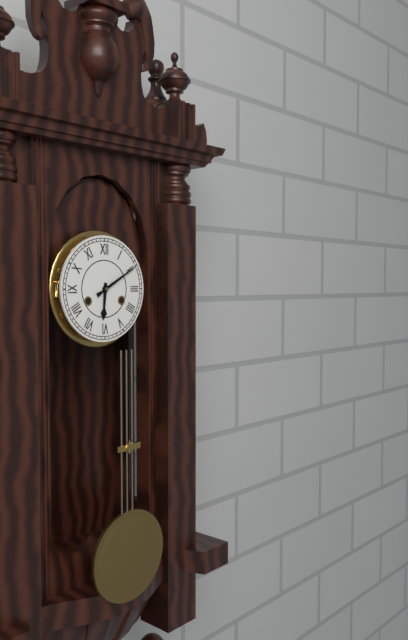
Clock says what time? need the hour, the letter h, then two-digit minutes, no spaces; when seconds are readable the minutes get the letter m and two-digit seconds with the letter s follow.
6h10
